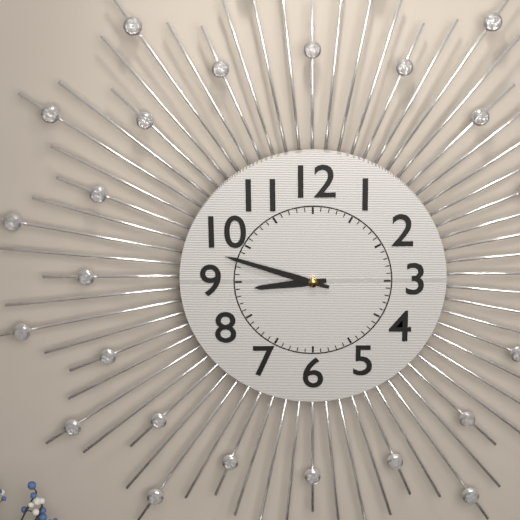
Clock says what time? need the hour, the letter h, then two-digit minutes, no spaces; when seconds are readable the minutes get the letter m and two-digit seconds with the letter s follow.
8h48
